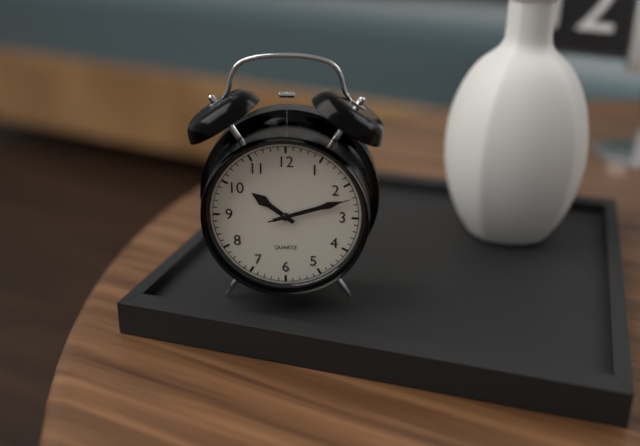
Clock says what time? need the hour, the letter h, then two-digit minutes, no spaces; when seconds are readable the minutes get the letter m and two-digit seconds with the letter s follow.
10h12m12s
